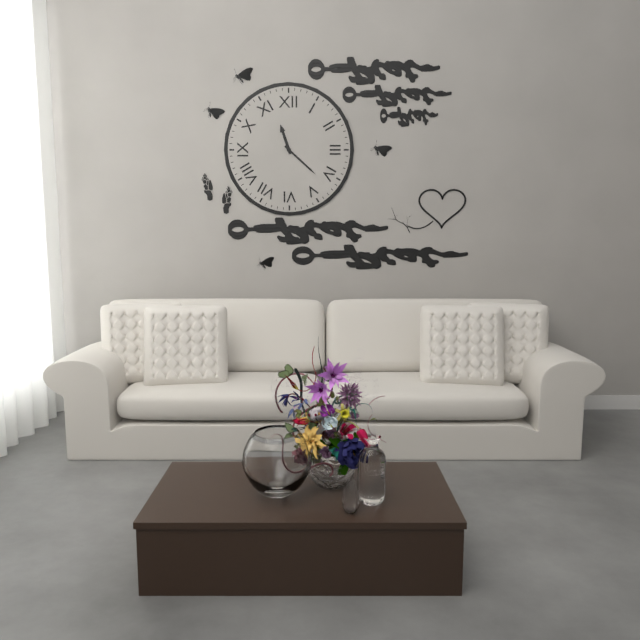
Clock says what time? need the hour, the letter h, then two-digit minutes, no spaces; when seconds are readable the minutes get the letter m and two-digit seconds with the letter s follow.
11h22
